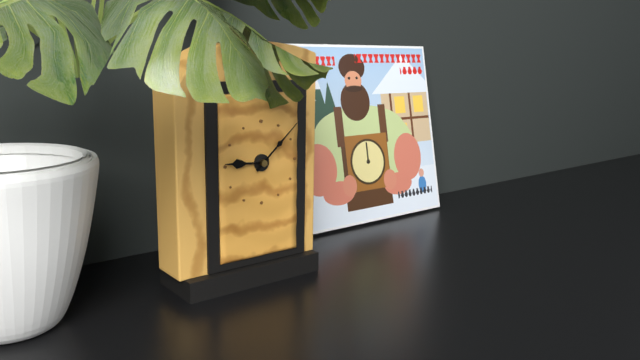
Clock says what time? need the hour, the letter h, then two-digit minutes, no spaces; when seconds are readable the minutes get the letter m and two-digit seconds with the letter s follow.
9h08
